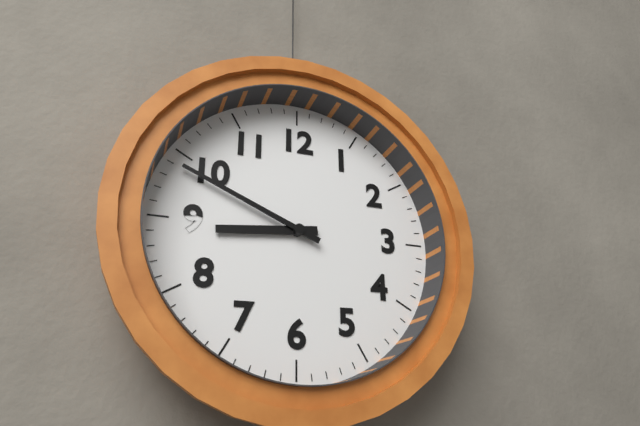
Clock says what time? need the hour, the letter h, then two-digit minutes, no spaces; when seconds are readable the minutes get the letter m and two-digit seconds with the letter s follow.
8h49
